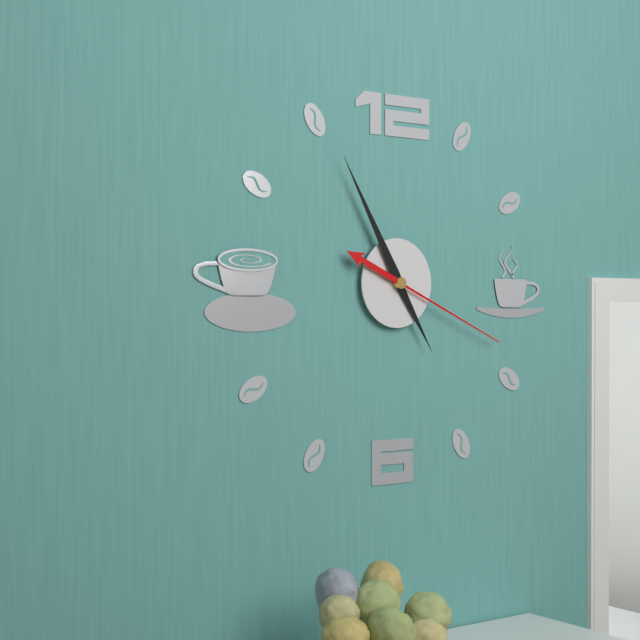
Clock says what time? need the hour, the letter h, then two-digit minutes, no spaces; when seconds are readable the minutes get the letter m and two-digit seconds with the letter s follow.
4h55m19s
